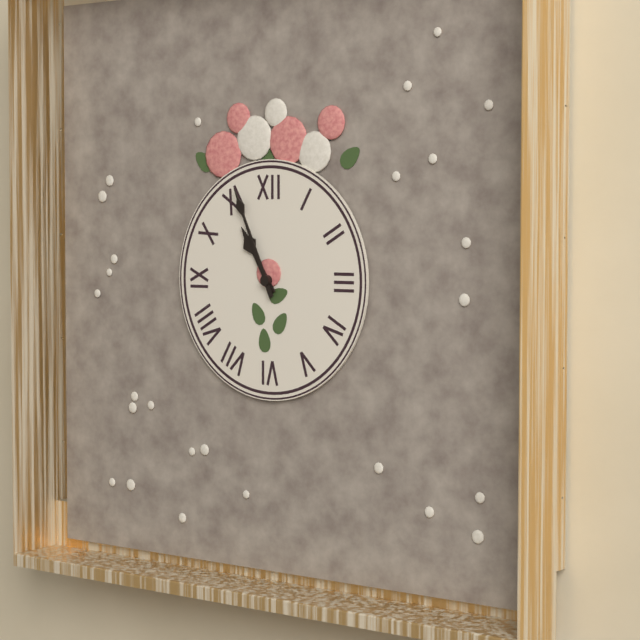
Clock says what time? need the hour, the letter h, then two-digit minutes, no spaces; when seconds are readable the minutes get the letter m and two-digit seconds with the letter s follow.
10h56
